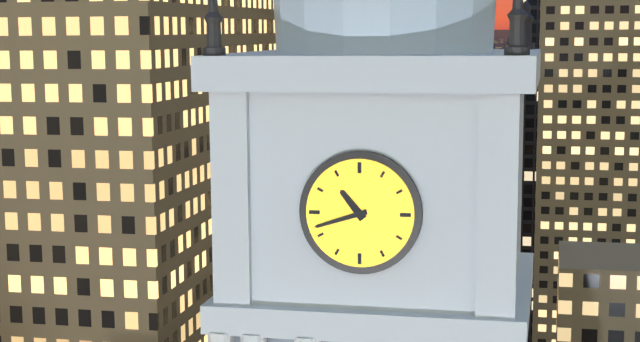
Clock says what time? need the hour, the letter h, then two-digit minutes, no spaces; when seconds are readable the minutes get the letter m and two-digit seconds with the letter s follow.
10h42
